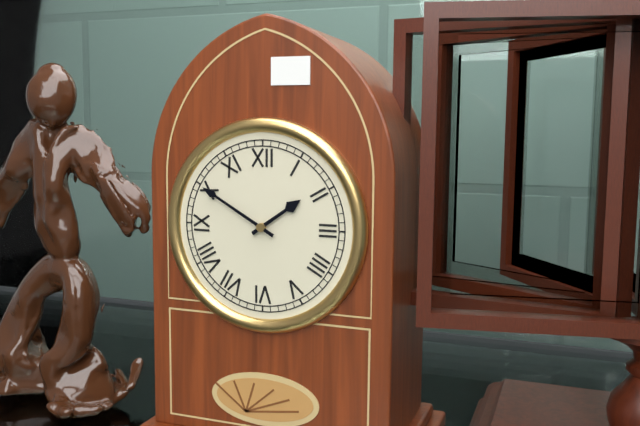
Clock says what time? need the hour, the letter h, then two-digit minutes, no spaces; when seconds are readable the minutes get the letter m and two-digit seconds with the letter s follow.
1h50
